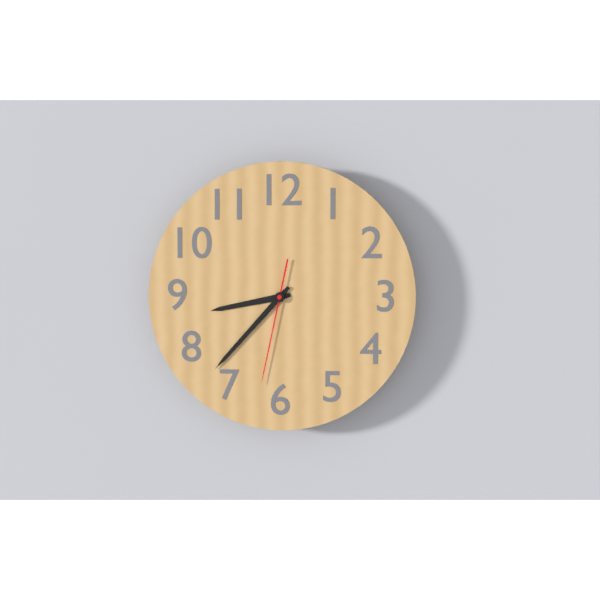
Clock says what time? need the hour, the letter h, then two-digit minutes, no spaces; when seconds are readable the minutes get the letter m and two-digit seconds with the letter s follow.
8h37m32s
